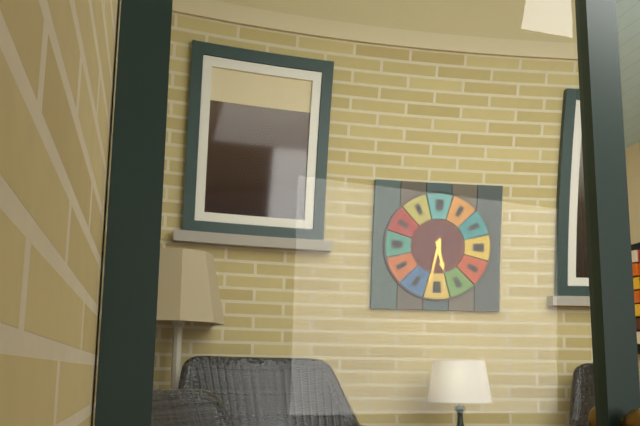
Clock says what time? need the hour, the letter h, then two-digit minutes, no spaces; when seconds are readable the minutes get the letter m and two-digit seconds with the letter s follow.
5h32
